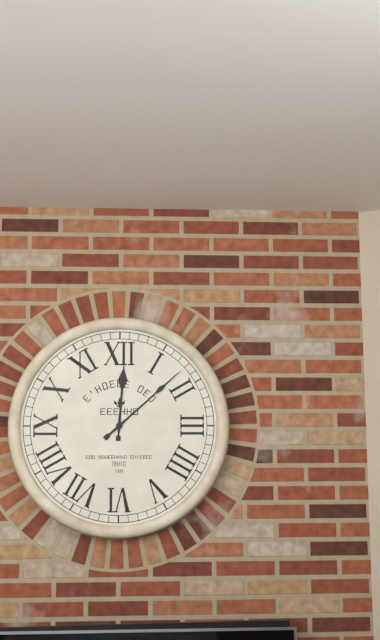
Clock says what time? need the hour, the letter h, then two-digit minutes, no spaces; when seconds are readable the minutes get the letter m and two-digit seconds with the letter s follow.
12h08
